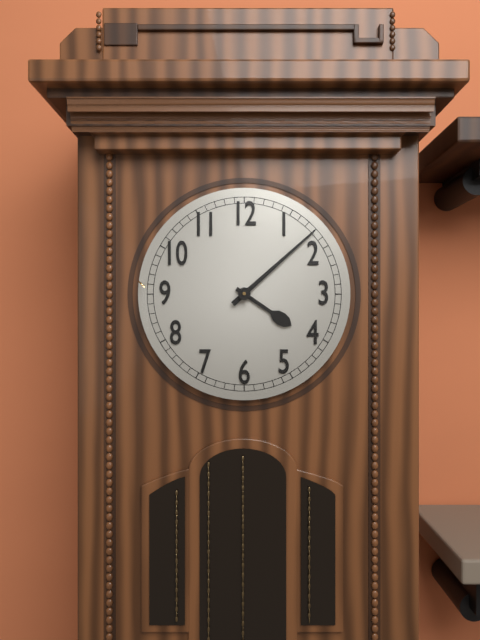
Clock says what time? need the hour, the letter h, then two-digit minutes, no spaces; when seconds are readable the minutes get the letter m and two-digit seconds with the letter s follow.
4h08
